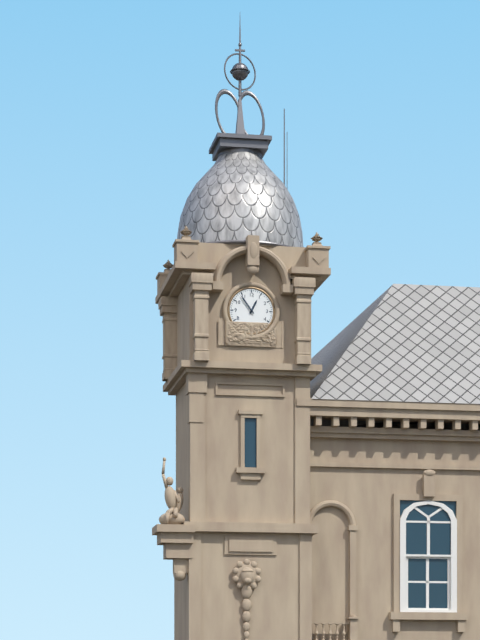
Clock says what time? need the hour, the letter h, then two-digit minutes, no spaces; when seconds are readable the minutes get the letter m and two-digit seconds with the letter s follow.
12h54
